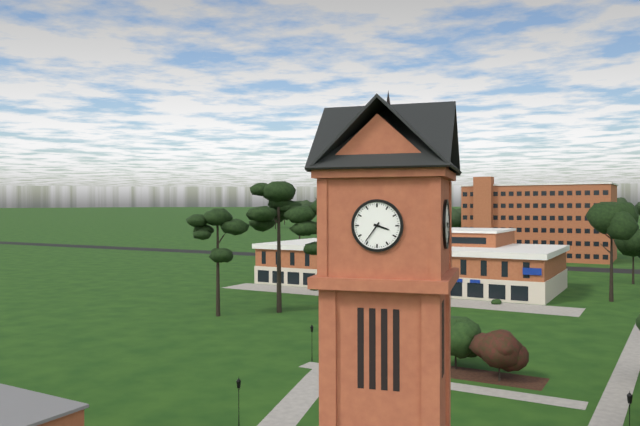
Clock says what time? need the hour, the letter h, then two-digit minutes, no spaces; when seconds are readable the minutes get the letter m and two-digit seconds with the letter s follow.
3h36
